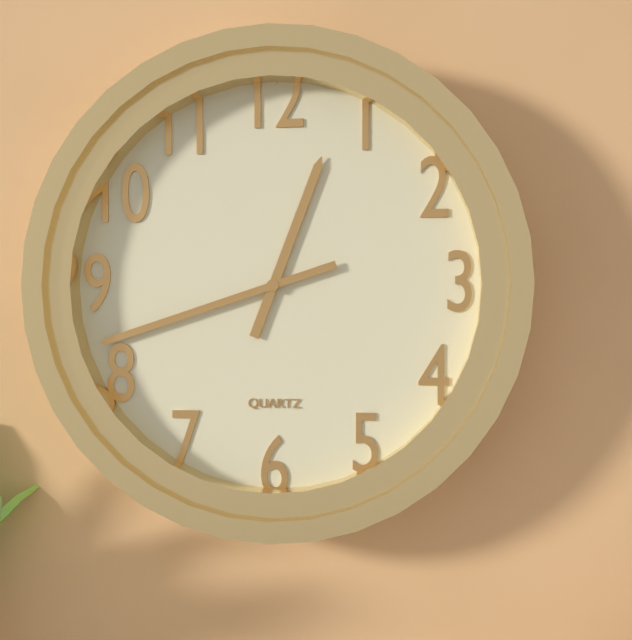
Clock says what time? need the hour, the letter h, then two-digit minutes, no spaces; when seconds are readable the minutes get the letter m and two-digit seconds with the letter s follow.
12h42
